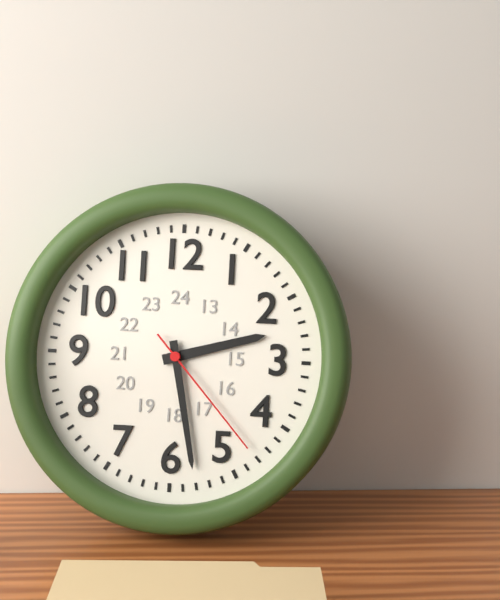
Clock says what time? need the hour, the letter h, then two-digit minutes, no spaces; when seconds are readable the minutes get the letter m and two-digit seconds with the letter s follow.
2h28m23s
